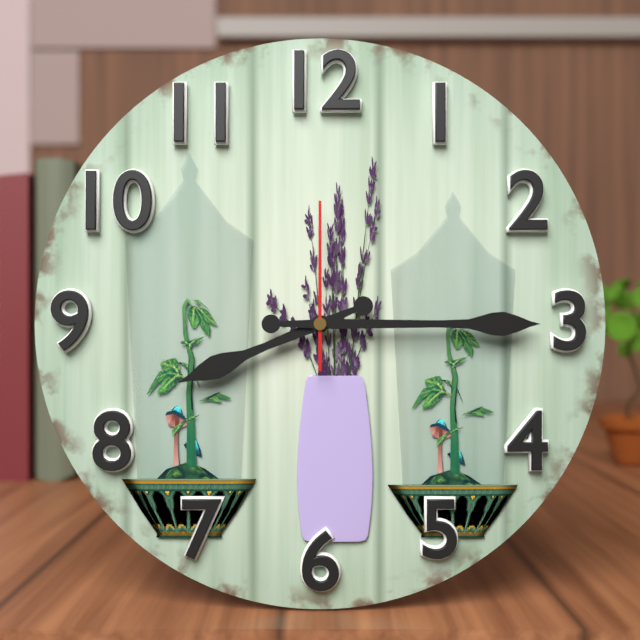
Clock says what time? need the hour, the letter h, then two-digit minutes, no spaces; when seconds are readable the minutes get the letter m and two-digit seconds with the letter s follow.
8h15m00s
